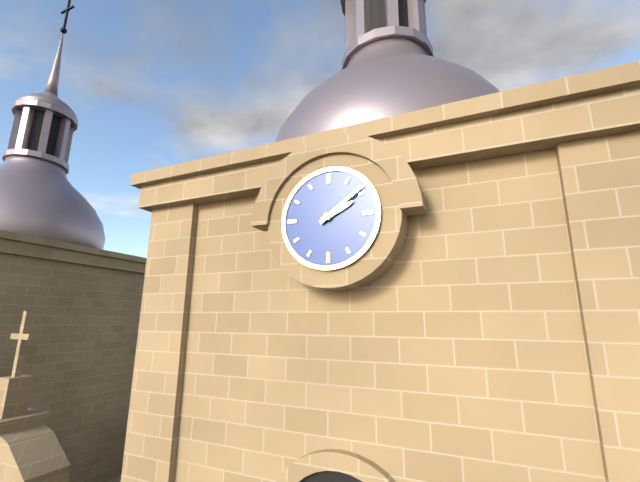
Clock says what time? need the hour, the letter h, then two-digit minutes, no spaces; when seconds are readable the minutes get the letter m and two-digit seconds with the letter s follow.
2h09
